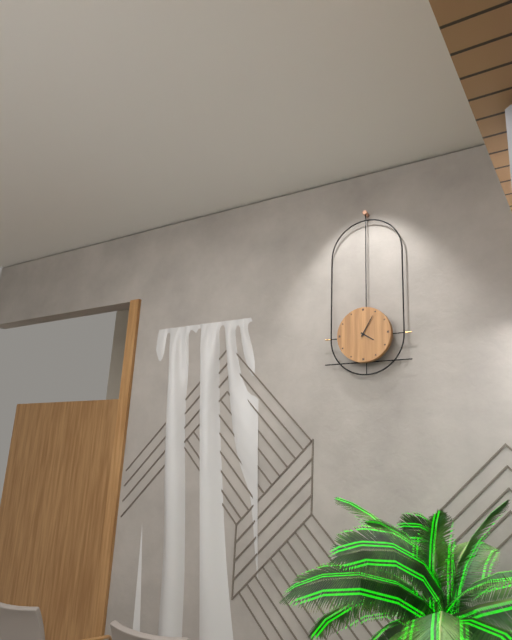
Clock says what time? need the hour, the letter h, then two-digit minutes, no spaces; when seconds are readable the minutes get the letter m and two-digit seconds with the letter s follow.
4h05
